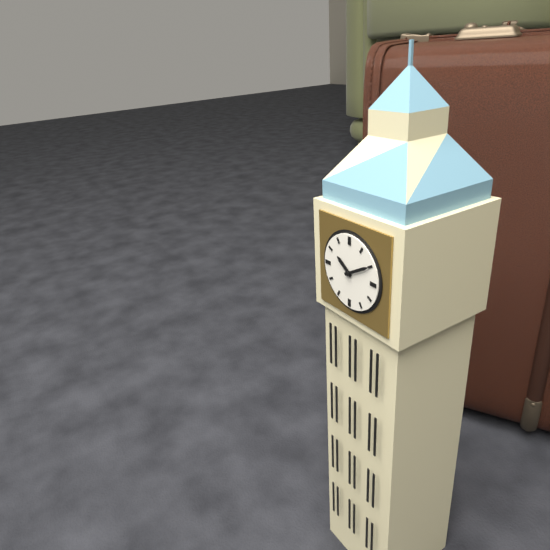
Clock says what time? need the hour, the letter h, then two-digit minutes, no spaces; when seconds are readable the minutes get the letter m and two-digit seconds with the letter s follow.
10h10
